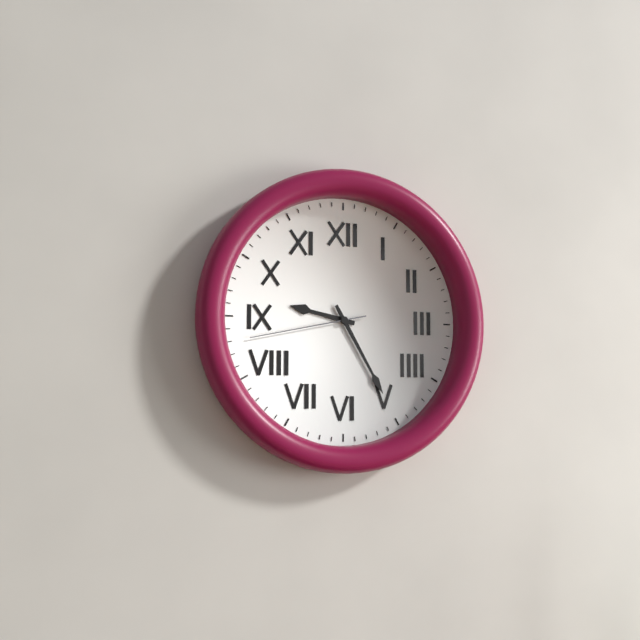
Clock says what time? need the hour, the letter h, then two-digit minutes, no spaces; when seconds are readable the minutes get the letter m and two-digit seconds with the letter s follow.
9h25m43s
